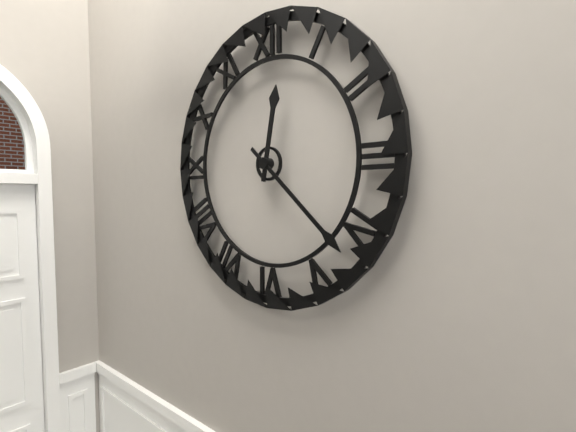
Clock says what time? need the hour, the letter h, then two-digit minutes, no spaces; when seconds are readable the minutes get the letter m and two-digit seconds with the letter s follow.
12h22
